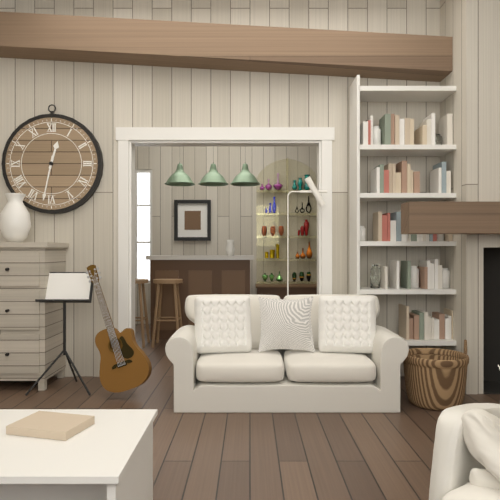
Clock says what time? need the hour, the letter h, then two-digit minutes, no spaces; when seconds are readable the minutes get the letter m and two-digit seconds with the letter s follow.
12h32
